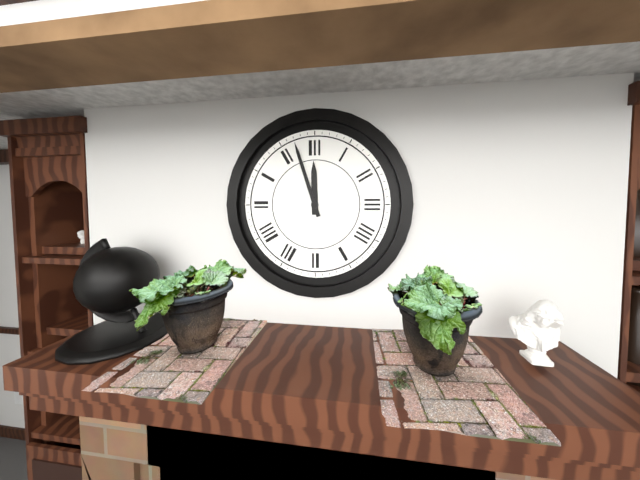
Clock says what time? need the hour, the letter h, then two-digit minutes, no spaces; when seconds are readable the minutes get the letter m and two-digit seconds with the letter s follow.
11h57
